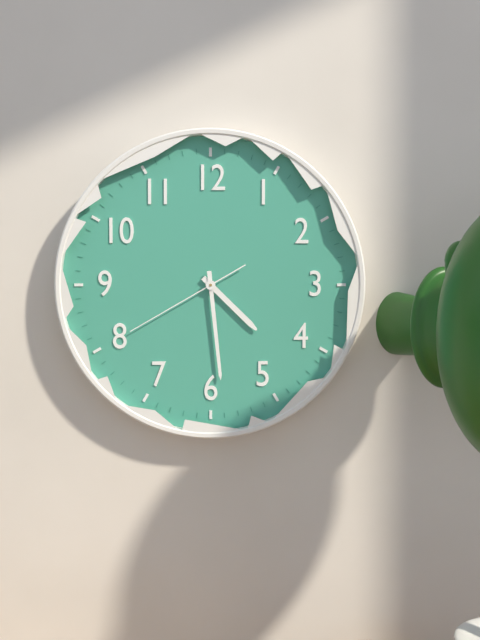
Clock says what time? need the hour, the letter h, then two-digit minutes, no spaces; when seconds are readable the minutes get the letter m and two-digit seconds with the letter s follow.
4h29m40s
